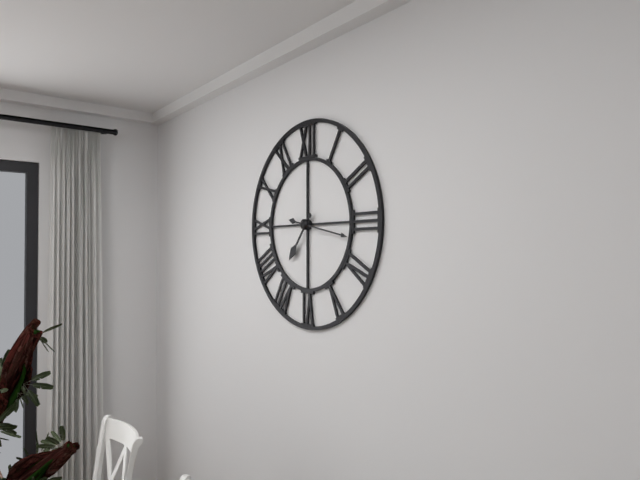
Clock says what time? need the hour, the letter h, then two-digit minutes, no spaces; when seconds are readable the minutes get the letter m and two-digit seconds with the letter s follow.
7h17
